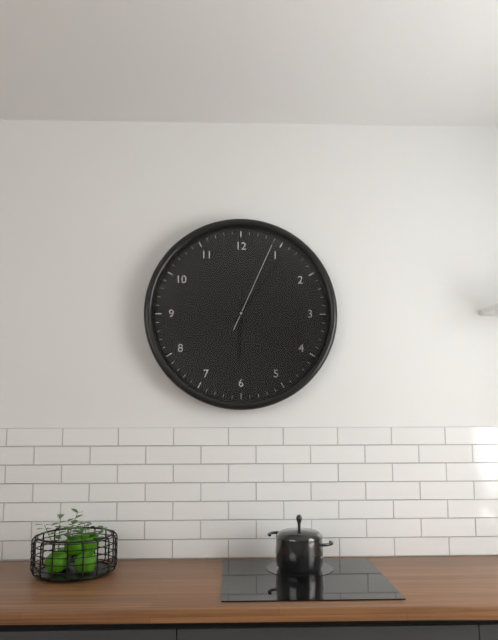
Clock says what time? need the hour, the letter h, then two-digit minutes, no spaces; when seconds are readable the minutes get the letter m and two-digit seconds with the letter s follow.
6h06m04s
